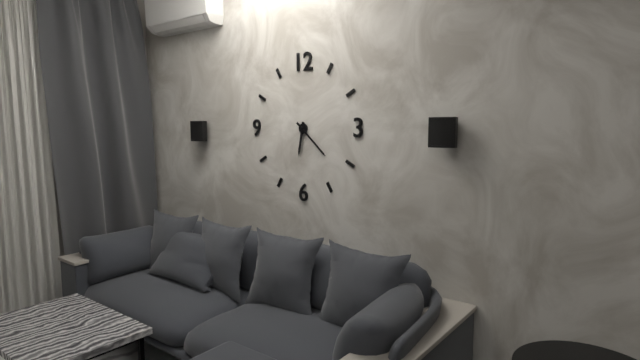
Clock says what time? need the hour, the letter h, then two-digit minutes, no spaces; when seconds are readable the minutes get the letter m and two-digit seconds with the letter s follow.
6h22
